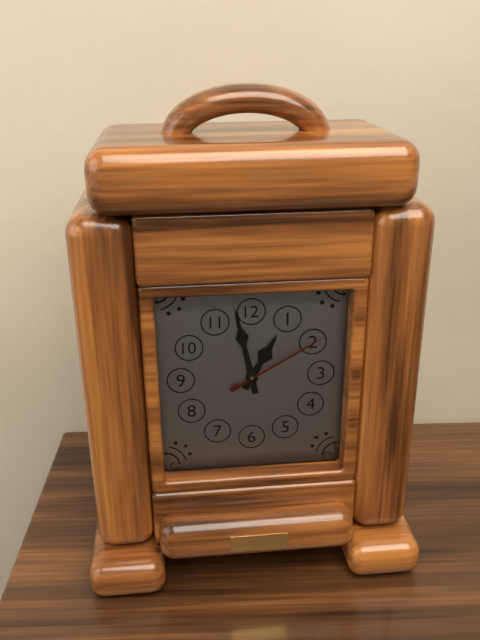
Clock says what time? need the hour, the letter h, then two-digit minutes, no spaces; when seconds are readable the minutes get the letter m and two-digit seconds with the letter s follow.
12h58m10s
